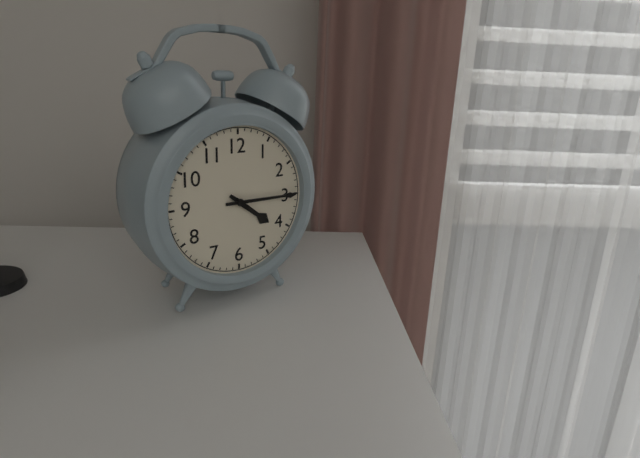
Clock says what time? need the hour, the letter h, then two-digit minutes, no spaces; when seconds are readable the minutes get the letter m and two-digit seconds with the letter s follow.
4h15
